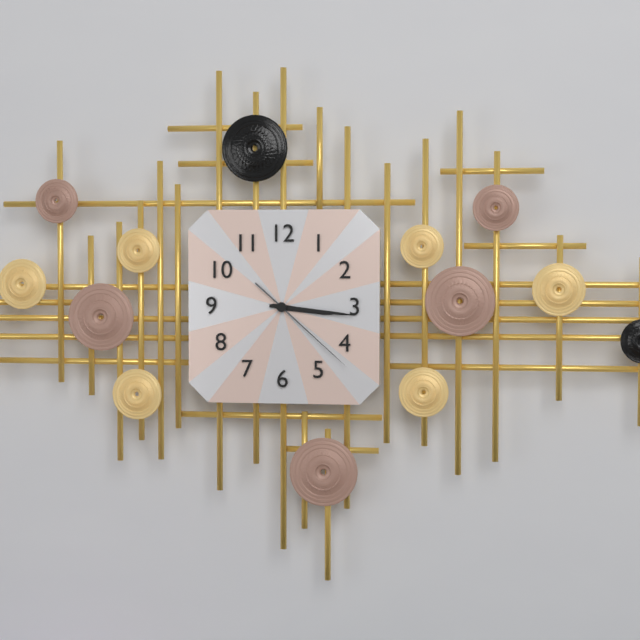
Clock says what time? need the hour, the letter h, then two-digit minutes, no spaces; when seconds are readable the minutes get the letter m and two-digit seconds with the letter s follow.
3h16m22s
